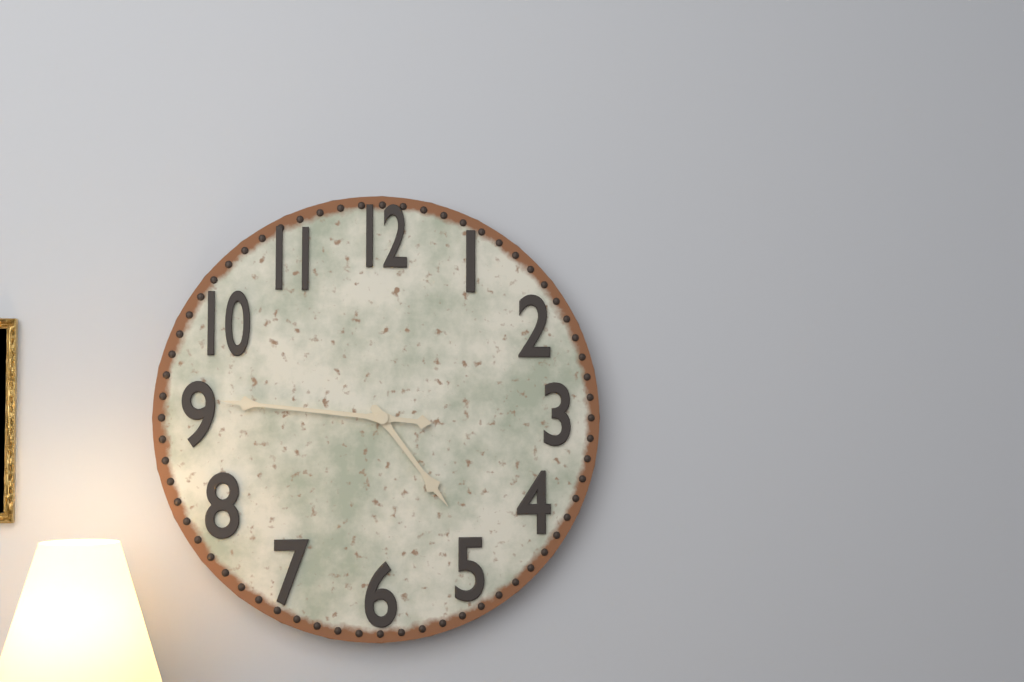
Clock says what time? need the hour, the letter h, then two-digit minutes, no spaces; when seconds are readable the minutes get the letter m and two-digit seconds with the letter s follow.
4h46
